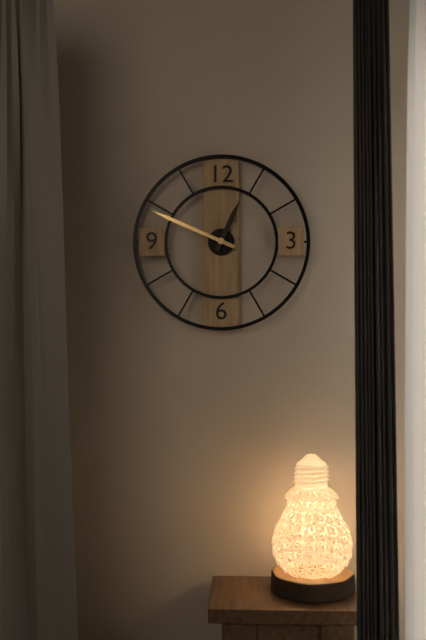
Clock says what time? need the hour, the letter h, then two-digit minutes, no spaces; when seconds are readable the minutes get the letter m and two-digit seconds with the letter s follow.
12h49
